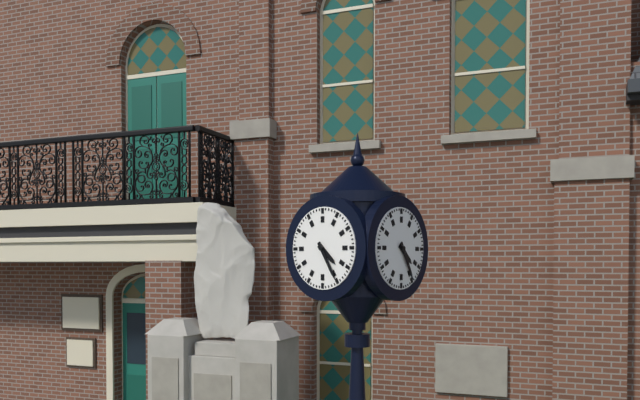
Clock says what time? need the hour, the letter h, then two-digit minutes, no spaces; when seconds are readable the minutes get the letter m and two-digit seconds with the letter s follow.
4h25
